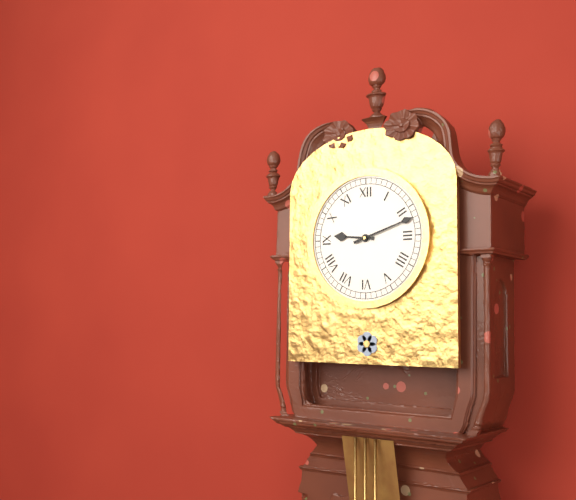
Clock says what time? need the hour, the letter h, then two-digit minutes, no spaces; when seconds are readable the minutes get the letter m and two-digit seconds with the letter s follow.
9h12
